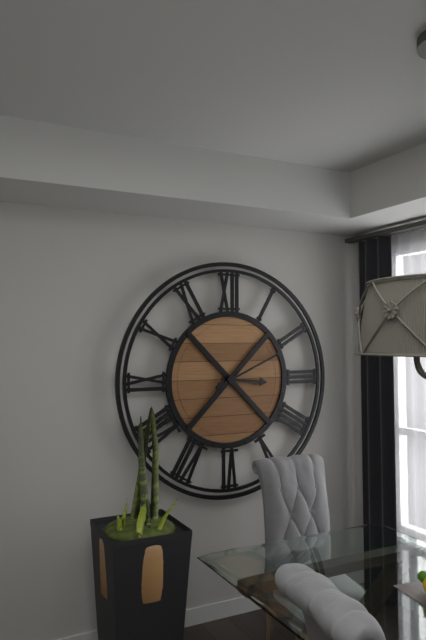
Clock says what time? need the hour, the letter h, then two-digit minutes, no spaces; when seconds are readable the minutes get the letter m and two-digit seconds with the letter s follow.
3h11
